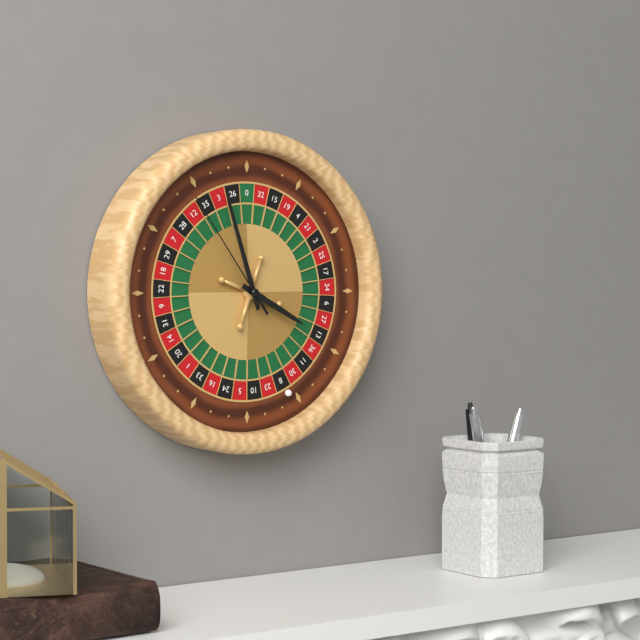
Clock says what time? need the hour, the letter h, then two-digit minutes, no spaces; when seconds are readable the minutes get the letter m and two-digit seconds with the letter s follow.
3h57m54s
